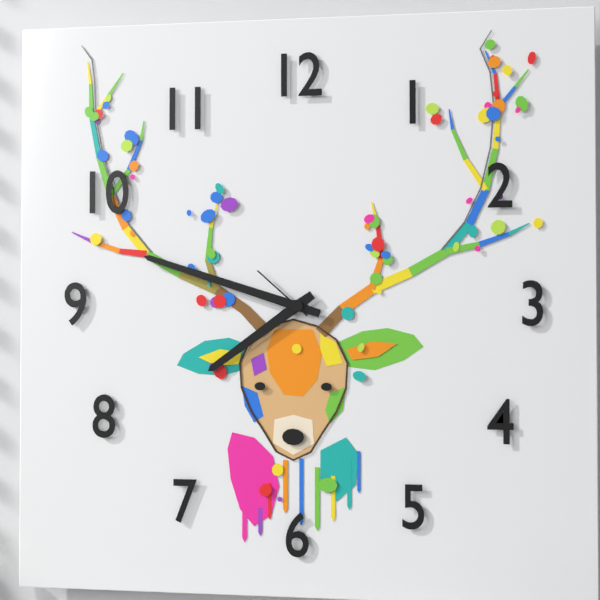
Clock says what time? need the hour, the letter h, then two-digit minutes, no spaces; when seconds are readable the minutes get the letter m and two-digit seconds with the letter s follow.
7h48m52s
